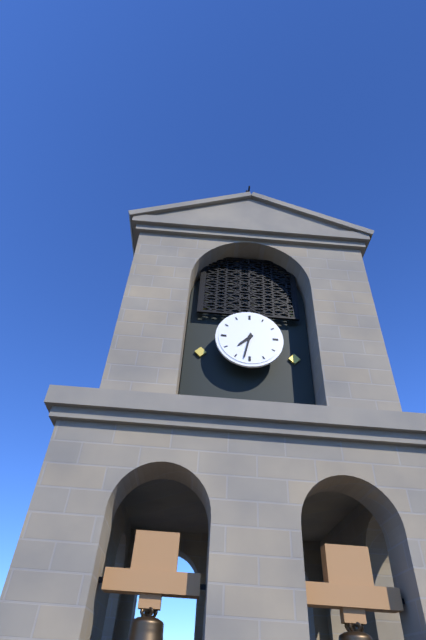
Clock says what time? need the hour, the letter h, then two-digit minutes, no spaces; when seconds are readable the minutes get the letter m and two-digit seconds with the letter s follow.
7h32
